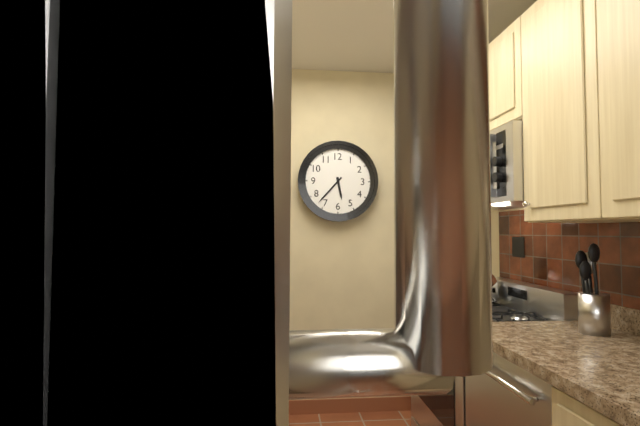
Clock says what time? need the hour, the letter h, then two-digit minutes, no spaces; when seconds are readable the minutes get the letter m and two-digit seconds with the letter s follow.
5h37
